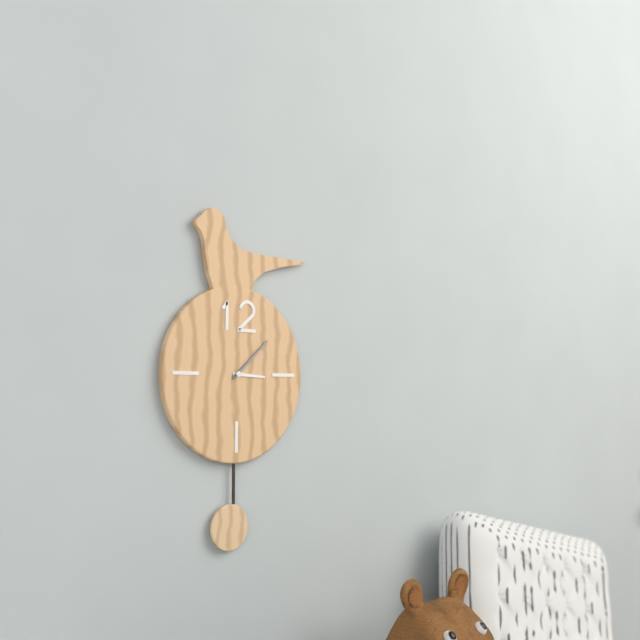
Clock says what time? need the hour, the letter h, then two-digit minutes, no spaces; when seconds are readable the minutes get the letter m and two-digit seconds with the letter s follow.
3h08
